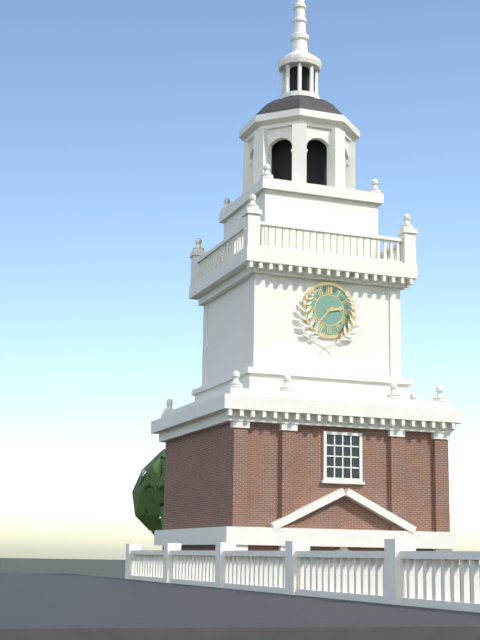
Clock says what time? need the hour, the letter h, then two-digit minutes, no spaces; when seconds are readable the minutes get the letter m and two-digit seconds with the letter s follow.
2h37
